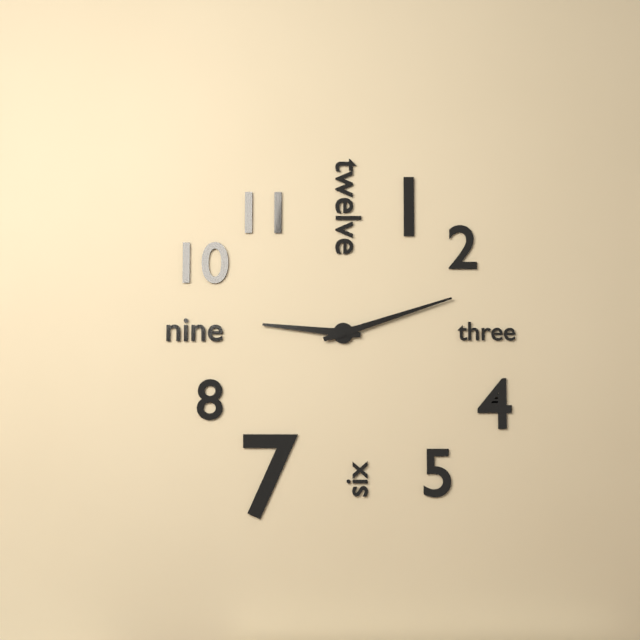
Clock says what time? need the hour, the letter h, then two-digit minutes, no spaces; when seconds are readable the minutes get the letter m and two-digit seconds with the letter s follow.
9h12
